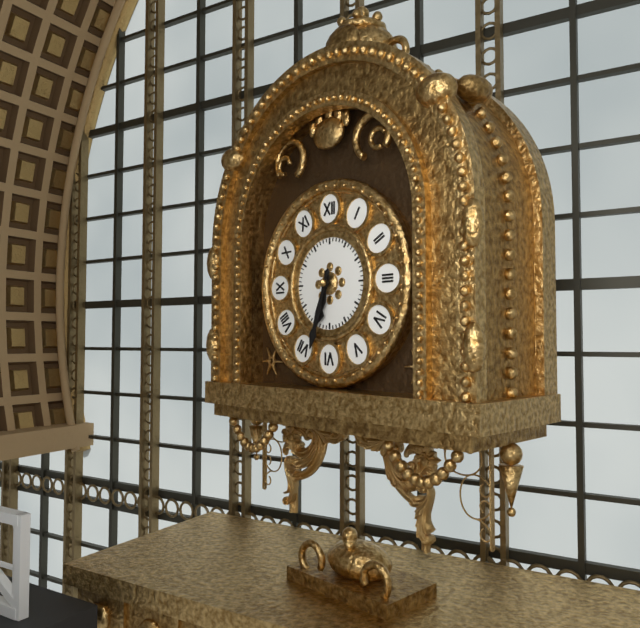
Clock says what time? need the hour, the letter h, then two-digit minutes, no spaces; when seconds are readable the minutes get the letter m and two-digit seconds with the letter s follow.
6h33
